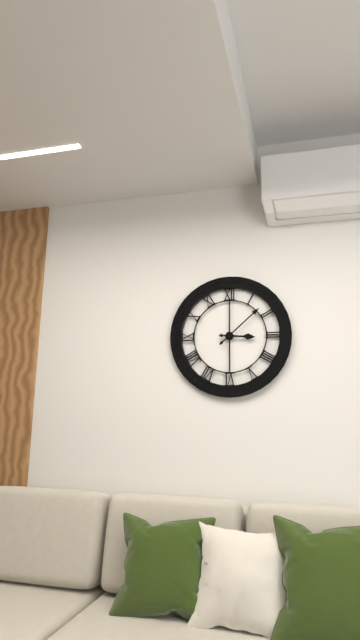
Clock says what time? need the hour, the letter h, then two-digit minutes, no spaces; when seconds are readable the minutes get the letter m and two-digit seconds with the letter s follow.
3h08
